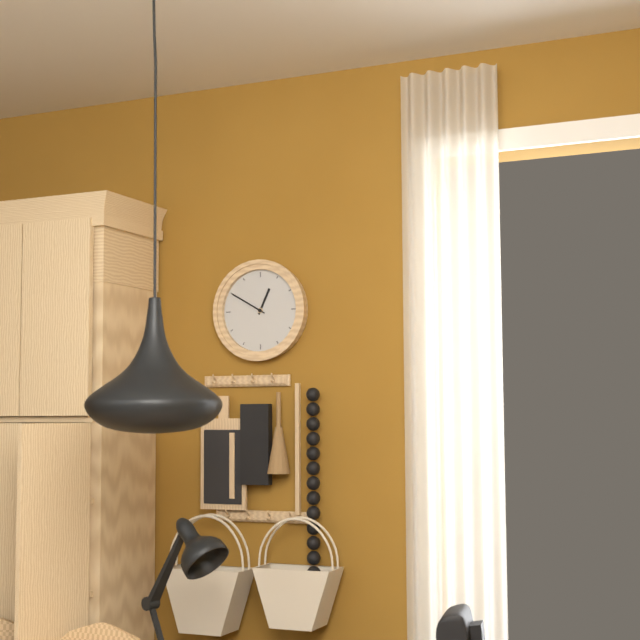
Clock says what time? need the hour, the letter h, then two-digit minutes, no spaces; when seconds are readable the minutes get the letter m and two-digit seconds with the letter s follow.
12h50
